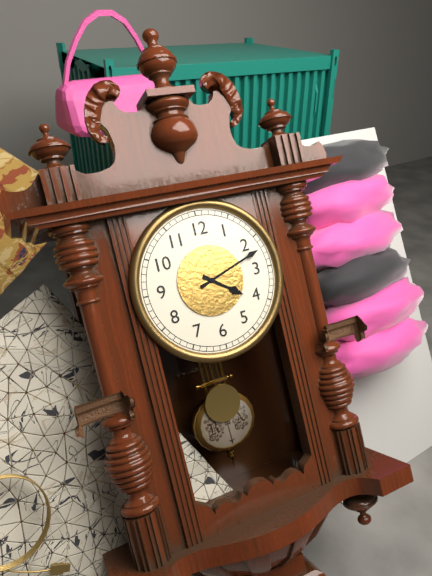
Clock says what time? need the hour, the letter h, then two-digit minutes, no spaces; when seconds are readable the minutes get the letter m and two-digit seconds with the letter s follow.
4h12
